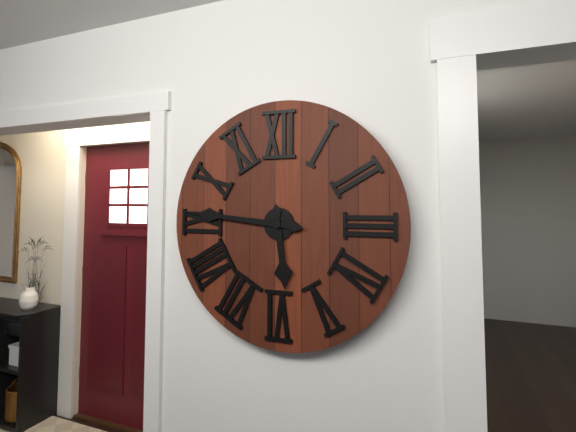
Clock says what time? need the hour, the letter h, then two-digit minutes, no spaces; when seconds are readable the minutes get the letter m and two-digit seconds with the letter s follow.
5h46
